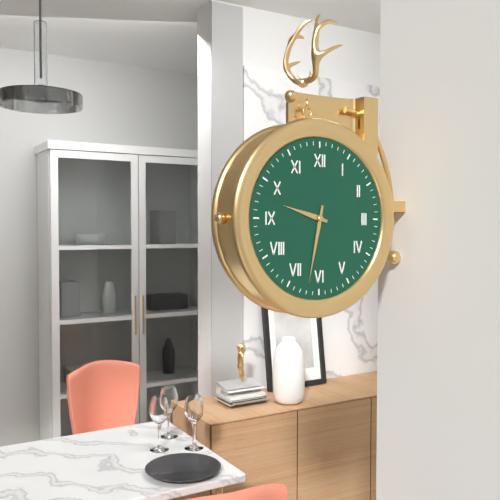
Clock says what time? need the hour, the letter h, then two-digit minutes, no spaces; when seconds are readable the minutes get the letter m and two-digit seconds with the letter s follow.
9h32
